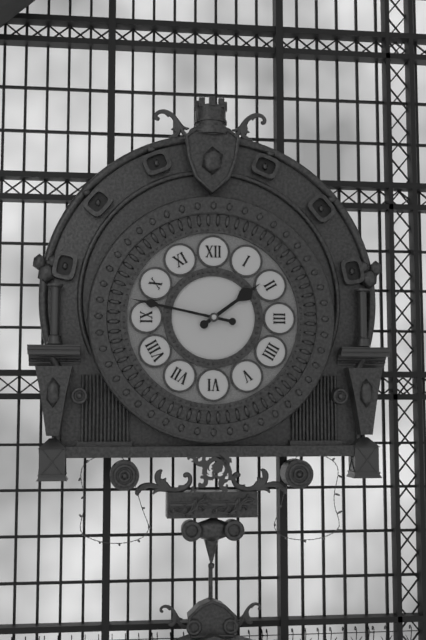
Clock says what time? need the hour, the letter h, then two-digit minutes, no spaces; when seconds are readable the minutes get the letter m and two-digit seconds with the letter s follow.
1h47
